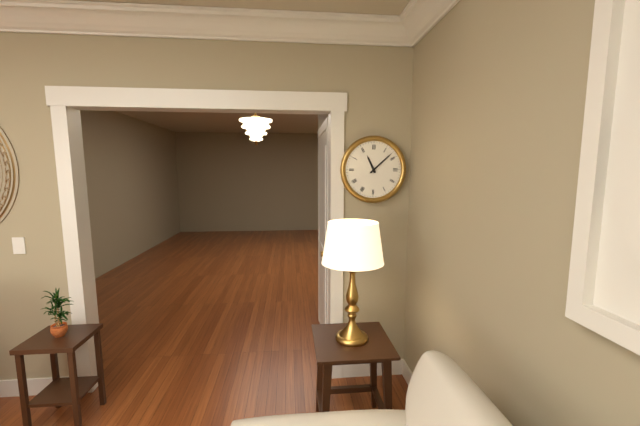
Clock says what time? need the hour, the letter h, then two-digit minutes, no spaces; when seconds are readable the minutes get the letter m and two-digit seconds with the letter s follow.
11h08
